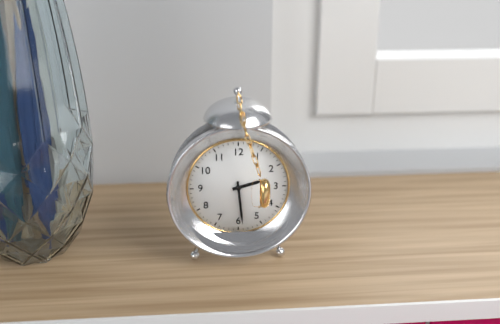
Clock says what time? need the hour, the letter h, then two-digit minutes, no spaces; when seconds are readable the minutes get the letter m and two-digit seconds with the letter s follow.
2h29
